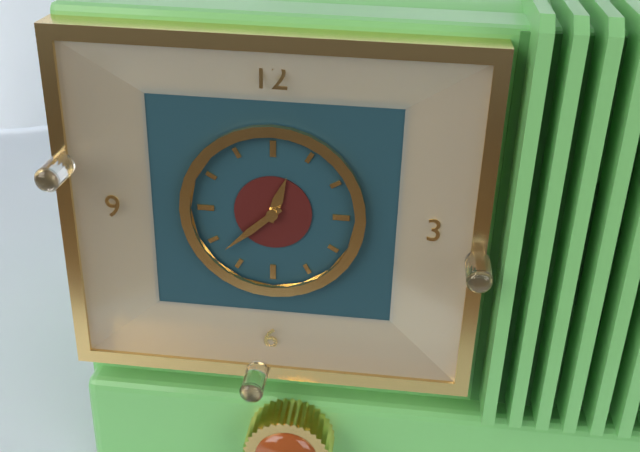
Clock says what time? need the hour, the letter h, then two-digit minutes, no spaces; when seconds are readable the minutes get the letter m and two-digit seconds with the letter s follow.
12h38
